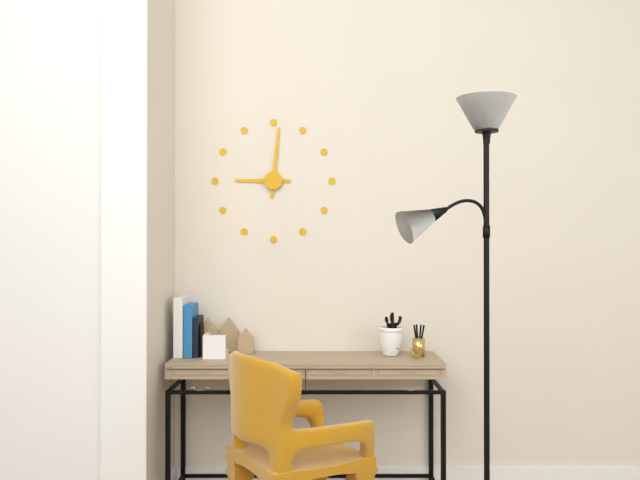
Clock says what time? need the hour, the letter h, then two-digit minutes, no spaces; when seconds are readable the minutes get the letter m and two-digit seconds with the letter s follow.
9h01
